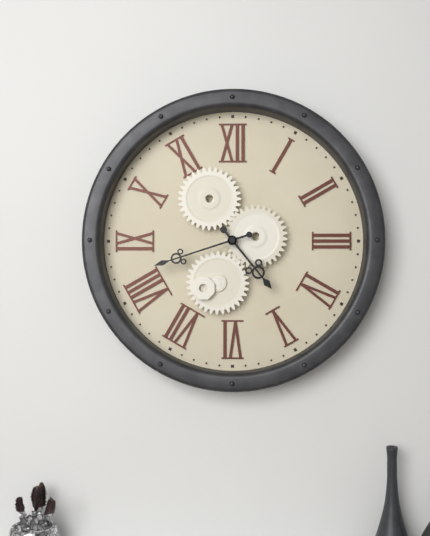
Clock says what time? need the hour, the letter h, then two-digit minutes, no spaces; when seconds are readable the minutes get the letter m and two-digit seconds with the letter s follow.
4h42
